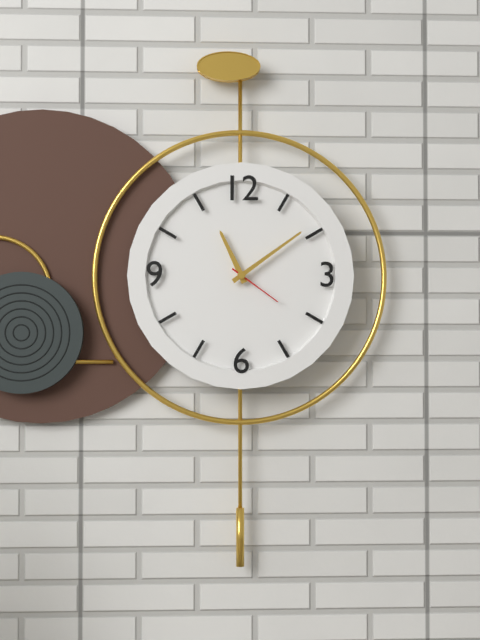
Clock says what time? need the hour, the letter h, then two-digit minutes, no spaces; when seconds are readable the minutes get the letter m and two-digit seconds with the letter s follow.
11h09m21s
